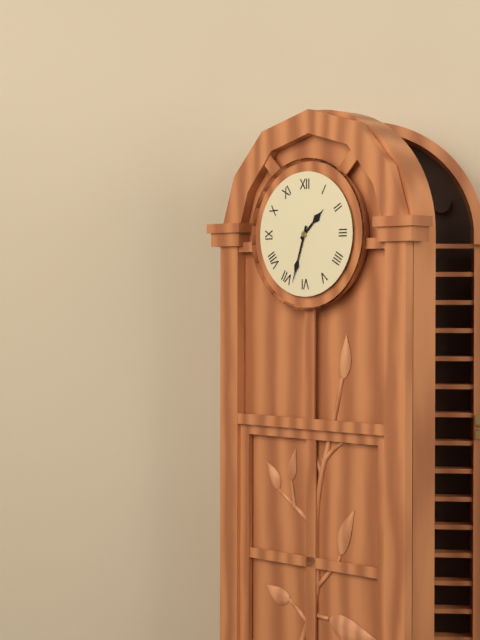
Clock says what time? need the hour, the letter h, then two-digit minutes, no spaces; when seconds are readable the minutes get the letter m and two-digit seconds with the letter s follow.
1h33
